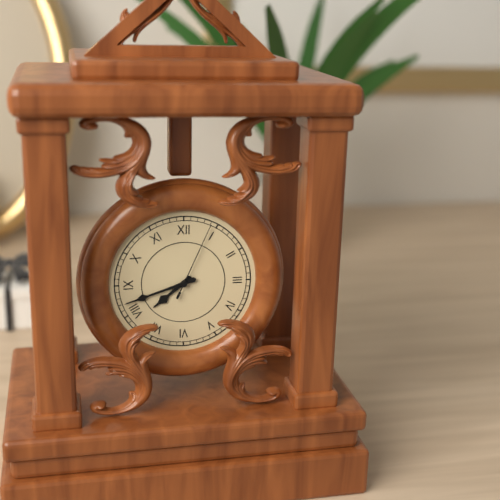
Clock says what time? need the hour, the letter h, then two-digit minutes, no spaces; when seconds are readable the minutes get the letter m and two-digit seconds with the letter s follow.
7h42m04s
